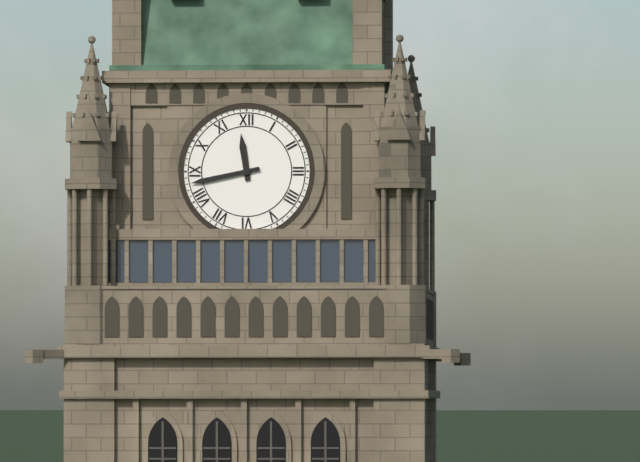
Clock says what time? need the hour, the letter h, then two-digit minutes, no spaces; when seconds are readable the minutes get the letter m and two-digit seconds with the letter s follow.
11h43
